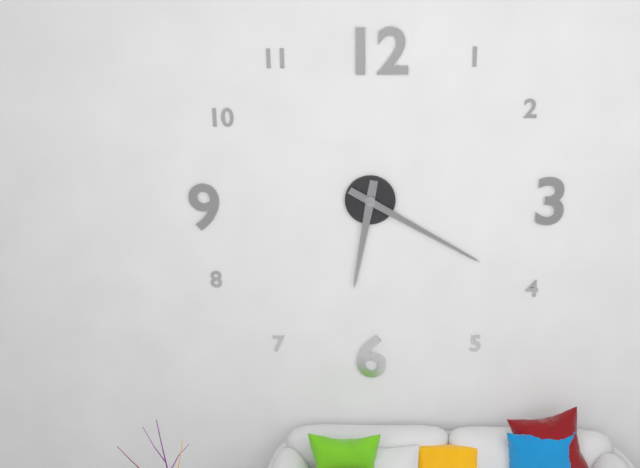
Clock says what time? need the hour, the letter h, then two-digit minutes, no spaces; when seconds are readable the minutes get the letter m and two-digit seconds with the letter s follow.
6h20
